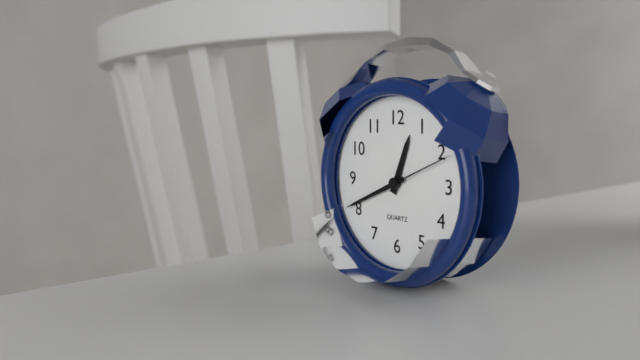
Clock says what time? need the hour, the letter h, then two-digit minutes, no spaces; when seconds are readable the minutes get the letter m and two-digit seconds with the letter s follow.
12h41m11s
